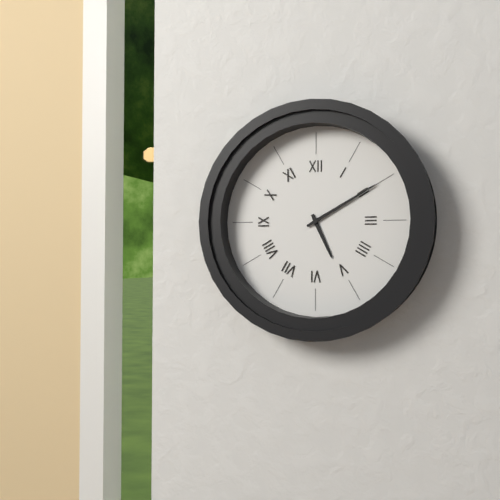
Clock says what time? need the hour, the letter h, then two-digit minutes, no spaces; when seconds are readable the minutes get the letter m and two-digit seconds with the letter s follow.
5h10
